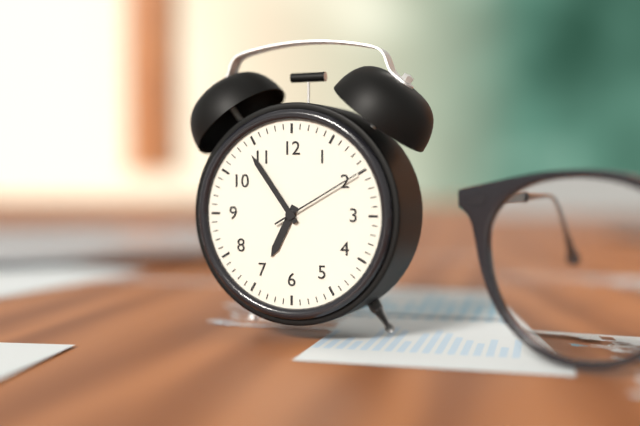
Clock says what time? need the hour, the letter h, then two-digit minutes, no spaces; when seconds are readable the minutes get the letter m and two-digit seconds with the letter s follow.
6h54m10s
